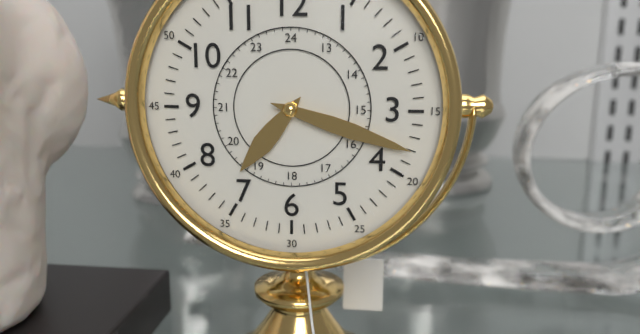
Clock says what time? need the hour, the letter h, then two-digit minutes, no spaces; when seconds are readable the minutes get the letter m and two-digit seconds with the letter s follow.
7h18
